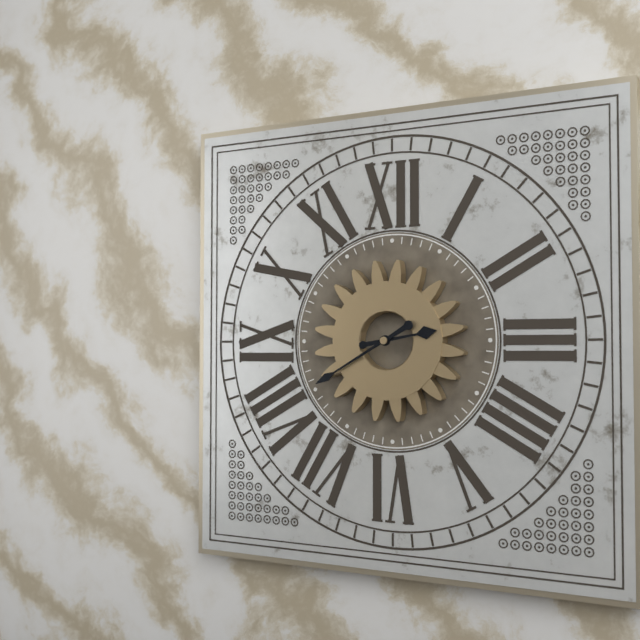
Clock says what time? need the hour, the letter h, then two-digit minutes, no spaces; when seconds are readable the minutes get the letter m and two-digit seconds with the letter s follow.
2h40
